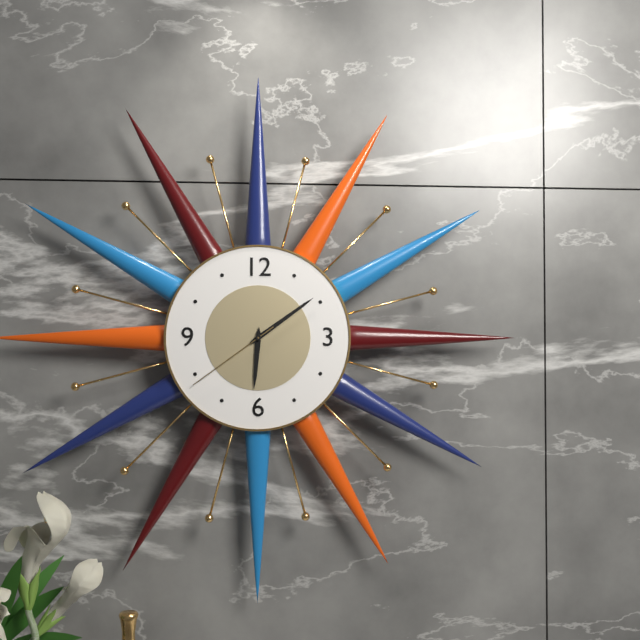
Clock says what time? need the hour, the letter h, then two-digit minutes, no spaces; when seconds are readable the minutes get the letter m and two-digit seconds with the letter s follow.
6h09m39s
